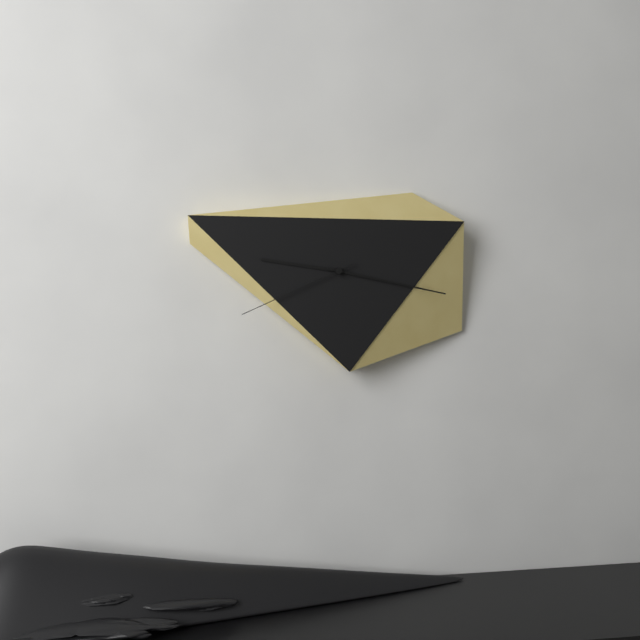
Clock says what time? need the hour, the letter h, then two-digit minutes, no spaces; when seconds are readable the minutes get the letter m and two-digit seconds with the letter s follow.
9h17m41s
